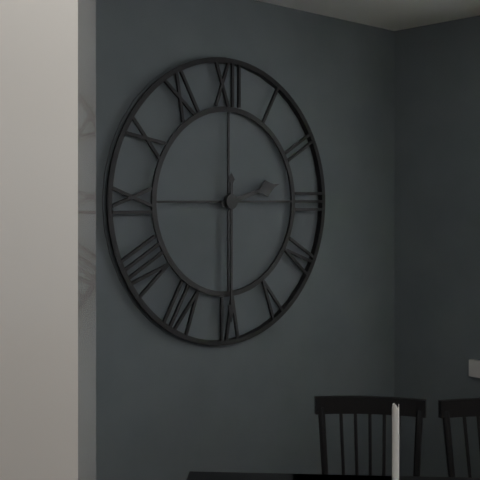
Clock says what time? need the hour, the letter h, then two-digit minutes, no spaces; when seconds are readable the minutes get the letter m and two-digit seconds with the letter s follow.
2h30
